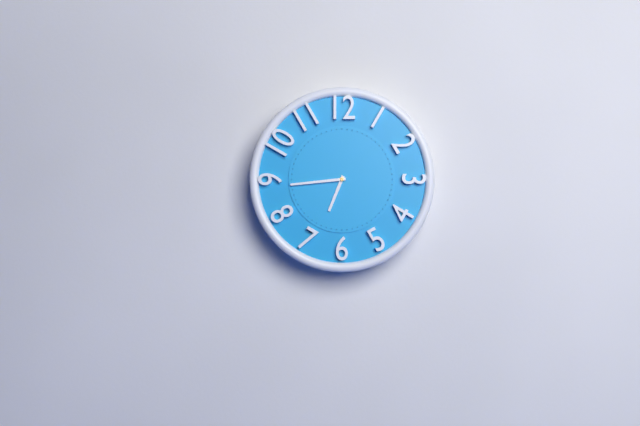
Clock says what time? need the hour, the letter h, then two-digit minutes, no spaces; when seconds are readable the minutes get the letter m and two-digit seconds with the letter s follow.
6h44
